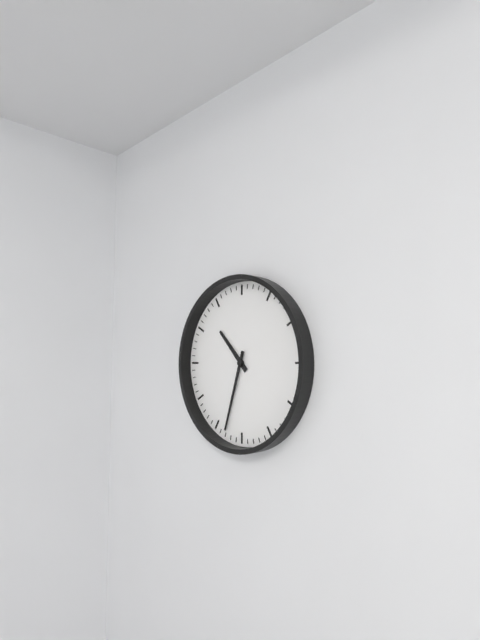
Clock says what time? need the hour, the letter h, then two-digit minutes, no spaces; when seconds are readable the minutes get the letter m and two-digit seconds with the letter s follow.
10h33
